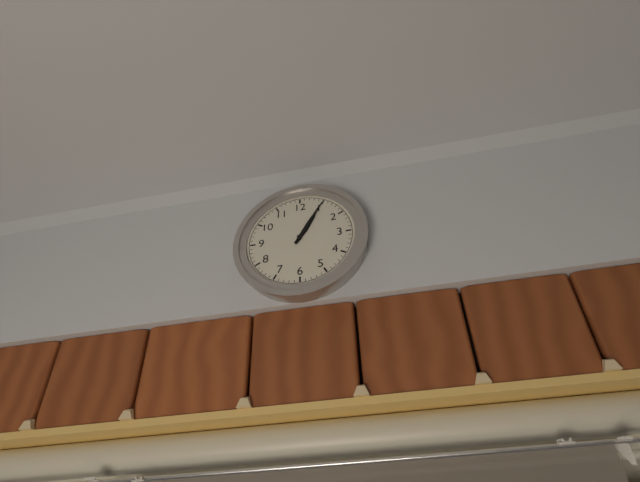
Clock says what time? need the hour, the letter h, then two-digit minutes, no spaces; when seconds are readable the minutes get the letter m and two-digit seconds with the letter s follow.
1h05
